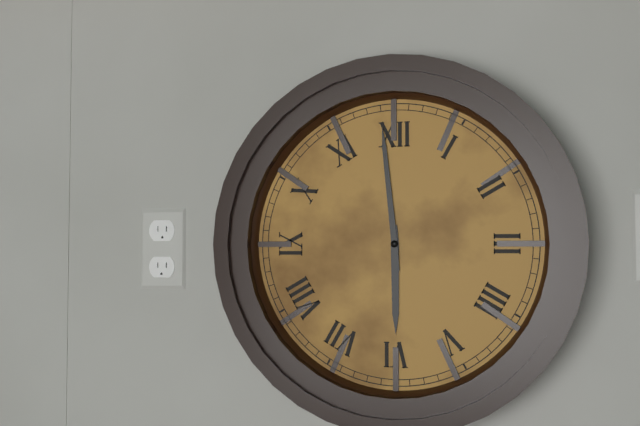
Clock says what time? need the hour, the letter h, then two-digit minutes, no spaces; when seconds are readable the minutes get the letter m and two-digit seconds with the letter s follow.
5h59
